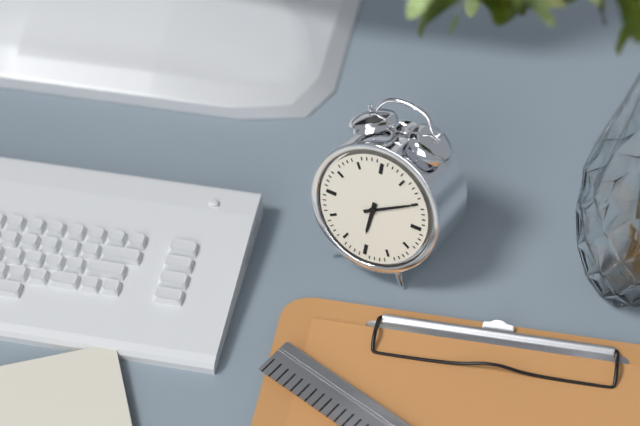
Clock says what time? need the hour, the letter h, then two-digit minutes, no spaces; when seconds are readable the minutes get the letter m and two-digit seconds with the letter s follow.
6h10
